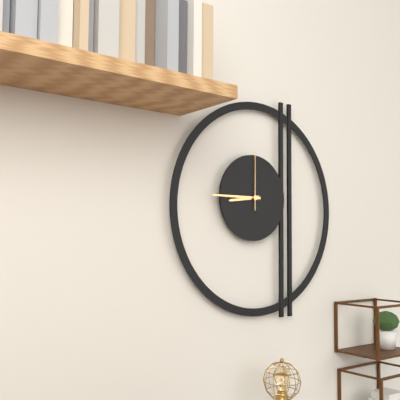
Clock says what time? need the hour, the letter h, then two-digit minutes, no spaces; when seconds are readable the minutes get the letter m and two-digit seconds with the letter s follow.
8h45m00s
